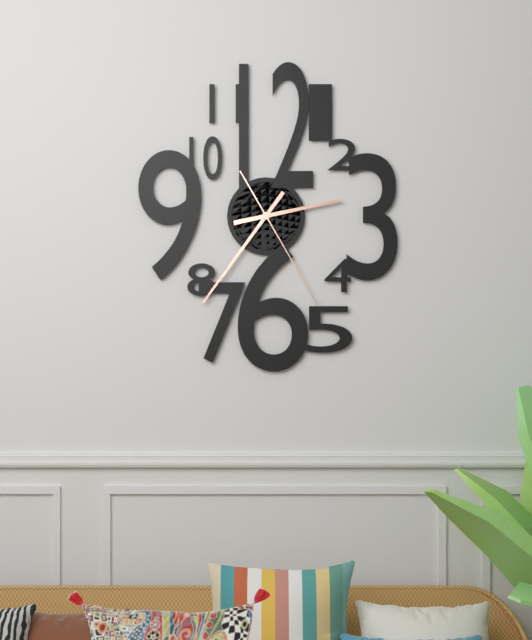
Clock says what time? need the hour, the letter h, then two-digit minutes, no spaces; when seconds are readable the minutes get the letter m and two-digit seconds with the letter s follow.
2h36m25s
